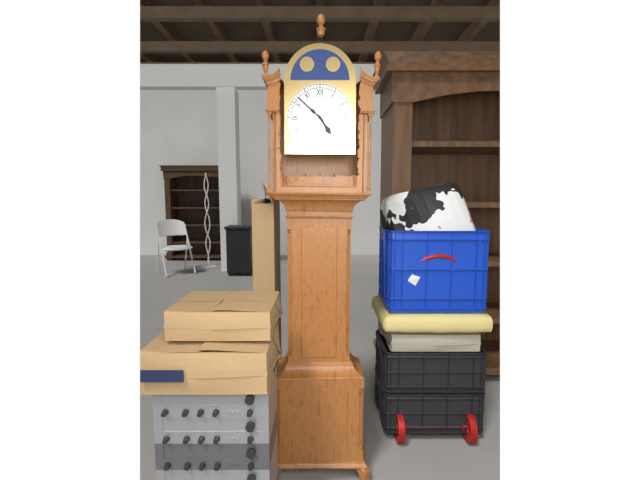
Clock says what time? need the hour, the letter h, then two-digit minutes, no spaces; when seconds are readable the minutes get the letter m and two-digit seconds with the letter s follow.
4h52
